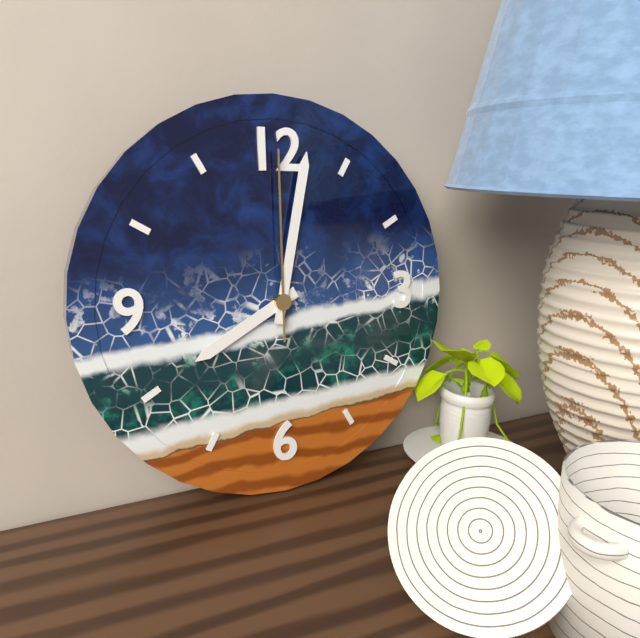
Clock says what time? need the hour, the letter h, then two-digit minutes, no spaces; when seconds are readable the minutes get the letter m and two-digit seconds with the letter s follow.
8h02m00s
